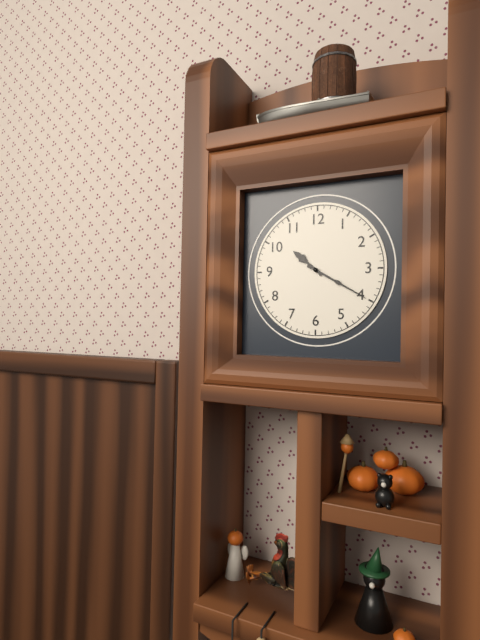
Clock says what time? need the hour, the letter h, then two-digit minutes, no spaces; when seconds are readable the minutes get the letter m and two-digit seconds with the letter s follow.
10h20
